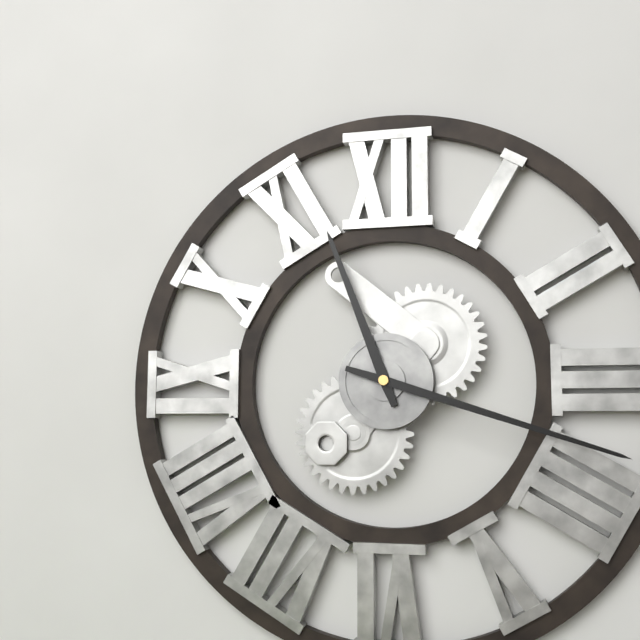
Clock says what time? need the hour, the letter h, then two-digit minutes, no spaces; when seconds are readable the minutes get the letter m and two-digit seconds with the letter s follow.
11h18
